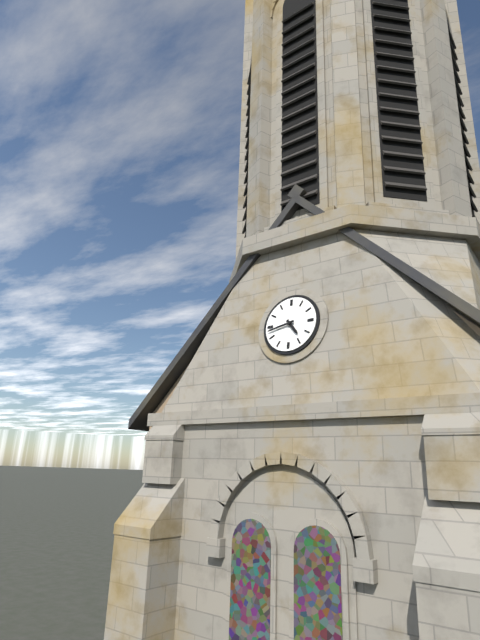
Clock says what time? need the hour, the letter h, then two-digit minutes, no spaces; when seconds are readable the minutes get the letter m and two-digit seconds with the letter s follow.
4h43
